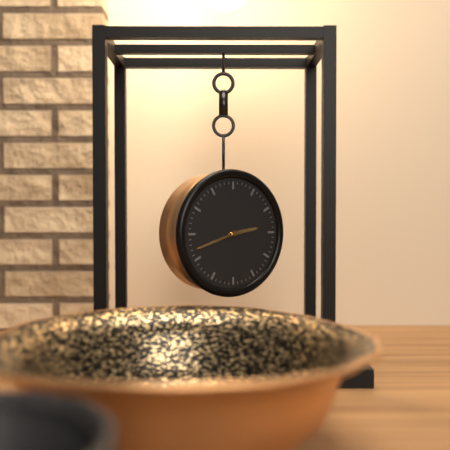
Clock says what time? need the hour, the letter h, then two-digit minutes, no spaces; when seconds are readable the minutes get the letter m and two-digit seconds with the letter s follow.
2h42
